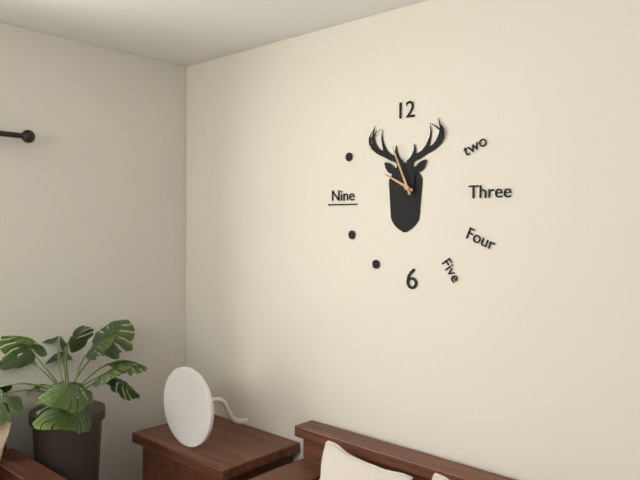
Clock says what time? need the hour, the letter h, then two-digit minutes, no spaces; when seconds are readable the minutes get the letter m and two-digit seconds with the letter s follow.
9h56
